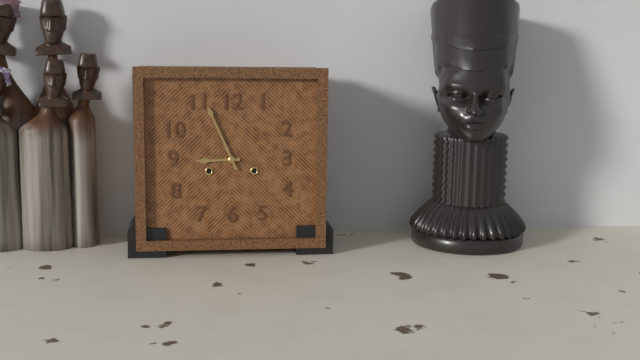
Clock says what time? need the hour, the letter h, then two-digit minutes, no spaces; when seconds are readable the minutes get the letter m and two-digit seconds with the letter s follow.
8h56
